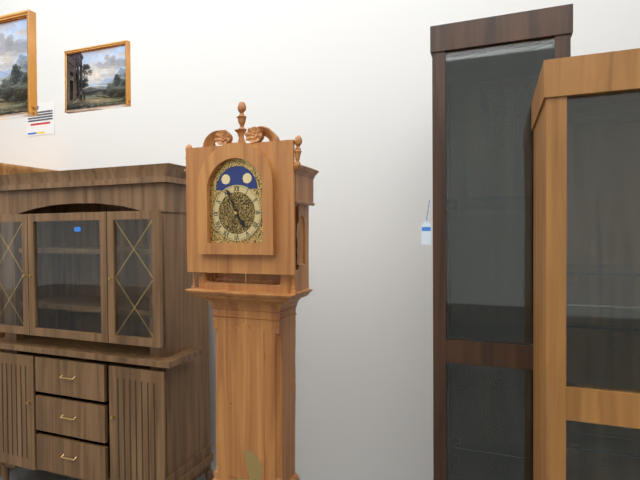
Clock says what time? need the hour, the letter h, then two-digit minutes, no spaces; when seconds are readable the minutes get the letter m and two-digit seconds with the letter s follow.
4h56
